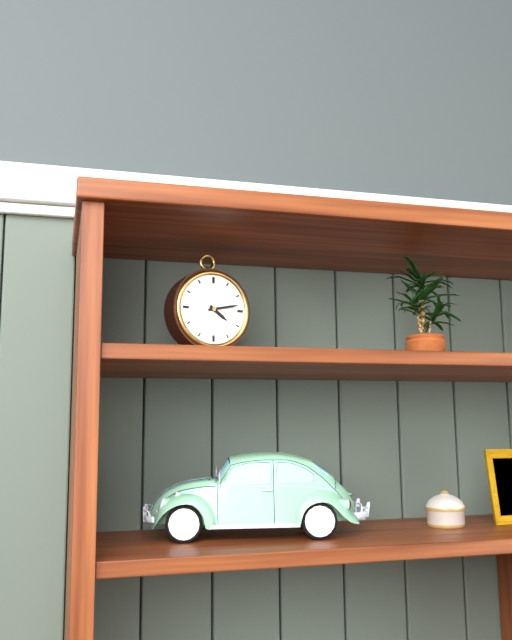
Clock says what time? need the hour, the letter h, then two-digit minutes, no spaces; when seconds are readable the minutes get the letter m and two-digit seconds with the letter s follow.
4h13
